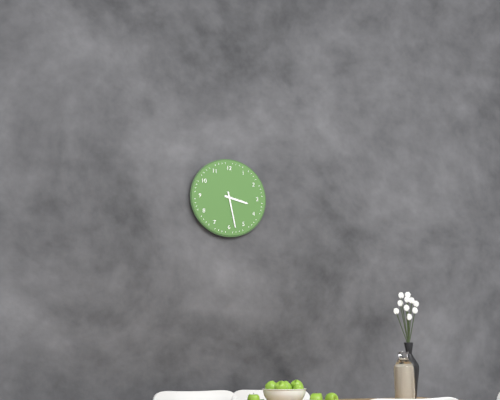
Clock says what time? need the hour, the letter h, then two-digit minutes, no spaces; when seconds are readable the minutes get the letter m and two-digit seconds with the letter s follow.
3h28
